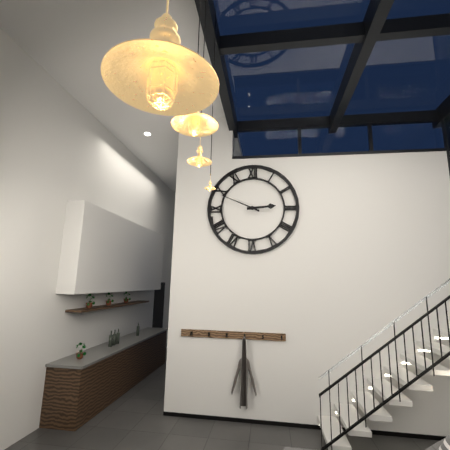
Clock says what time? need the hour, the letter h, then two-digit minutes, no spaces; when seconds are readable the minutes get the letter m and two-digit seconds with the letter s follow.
2h49
